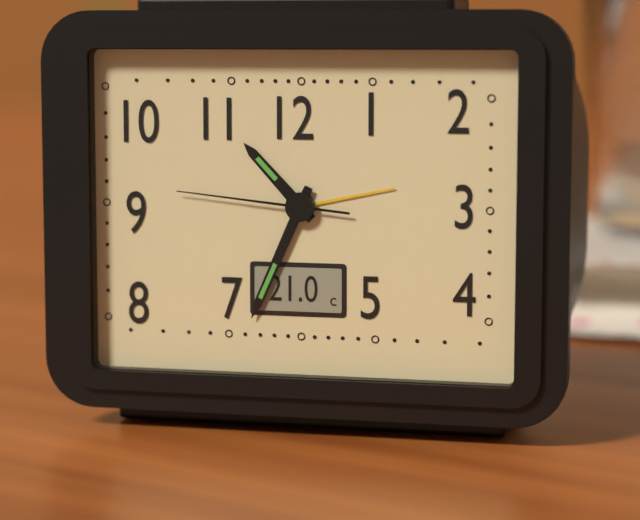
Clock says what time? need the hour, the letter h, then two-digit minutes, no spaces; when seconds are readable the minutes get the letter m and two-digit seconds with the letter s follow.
10h34m46s
